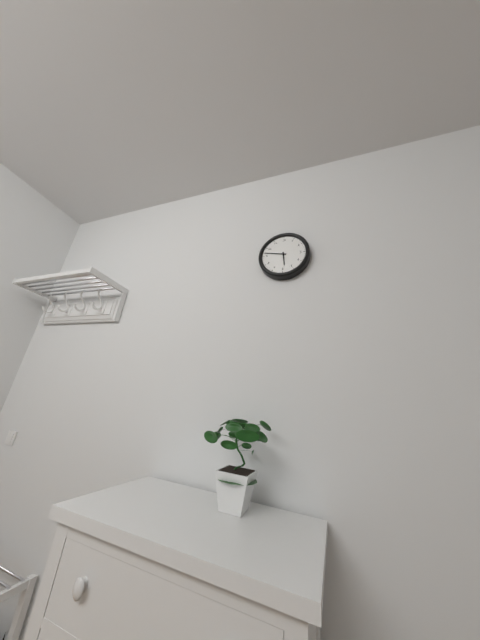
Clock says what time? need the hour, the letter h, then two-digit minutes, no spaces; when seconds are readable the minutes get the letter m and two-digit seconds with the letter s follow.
5h47
